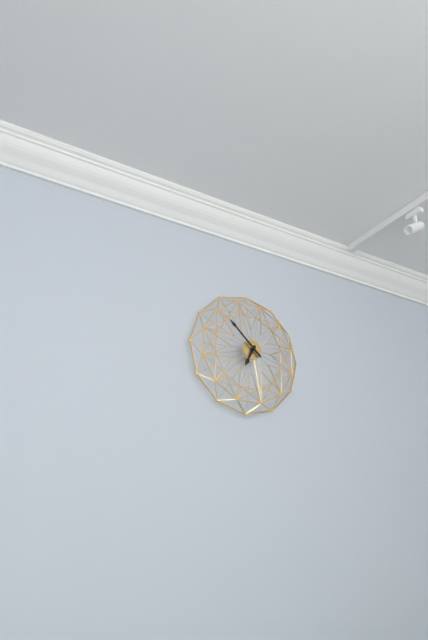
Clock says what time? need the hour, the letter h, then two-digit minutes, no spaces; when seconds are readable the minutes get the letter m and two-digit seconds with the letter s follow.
6h52
